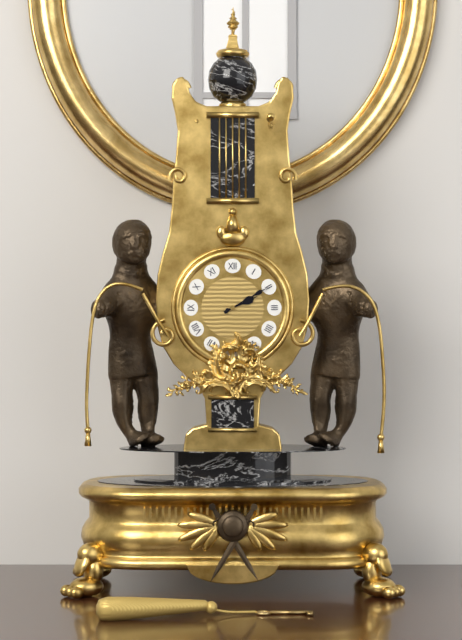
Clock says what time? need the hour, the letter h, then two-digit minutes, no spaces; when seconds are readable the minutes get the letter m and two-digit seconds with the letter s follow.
2h10
